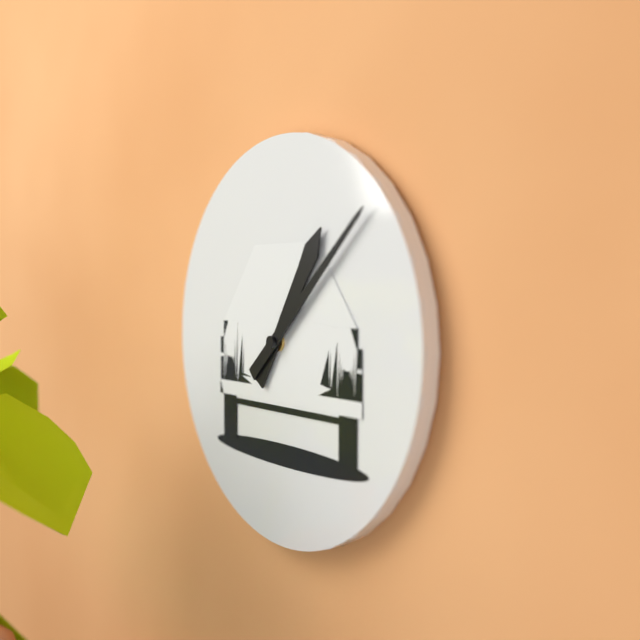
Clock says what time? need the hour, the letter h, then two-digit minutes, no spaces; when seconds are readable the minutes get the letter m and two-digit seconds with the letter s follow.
1h08
